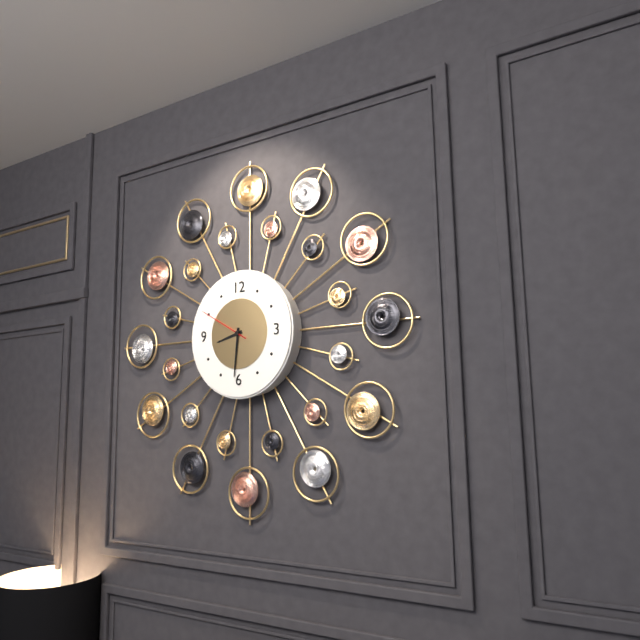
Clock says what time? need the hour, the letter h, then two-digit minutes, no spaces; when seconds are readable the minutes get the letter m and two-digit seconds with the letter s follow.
8h31m50s
